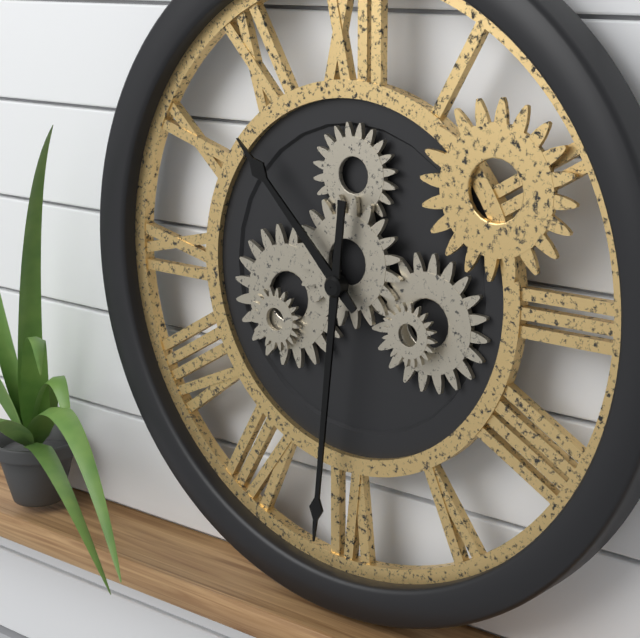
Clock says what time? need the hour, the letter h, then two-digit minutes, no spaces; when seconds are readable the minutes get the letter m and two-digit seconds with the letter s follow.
10h31
